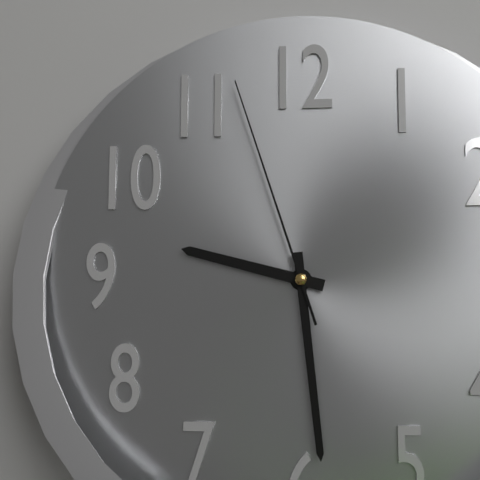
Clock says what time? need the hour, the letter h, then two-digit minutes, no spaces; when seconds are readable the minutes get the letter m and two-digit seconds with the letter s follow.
9h29m57s
